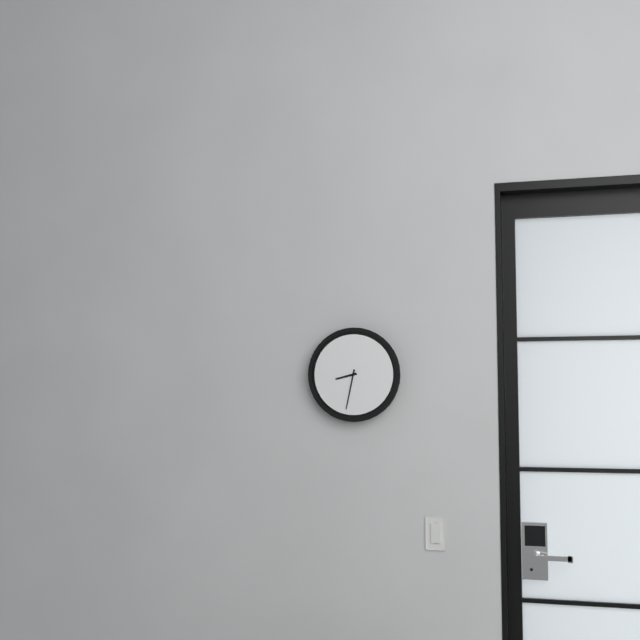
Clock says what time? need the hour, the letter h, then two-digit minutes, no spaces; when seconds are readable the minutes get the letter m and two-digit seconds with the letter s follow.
8h32
